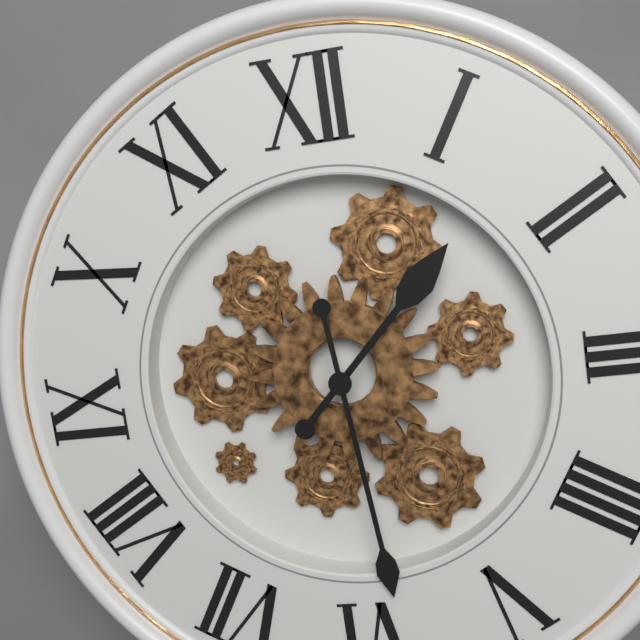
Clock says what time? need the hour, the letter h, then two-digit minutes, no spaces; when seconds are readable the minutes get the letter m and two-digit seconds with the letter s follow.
1h29
